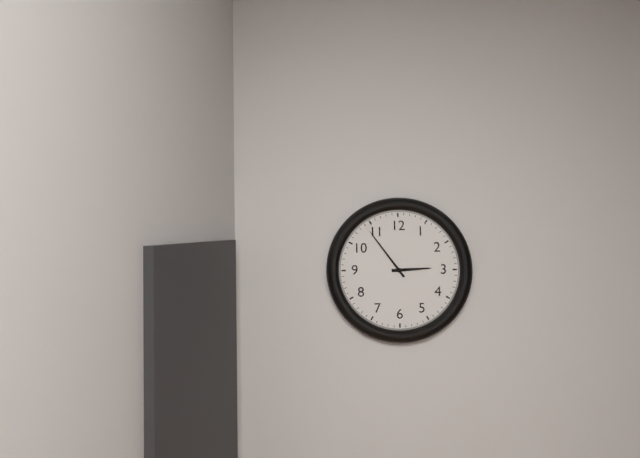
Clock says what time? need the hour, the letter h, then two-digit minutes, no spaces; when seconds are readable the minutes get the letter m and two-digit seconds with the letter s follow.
2h54
